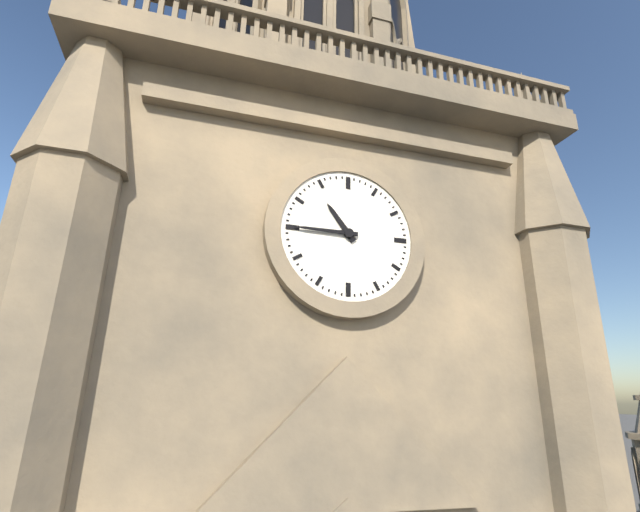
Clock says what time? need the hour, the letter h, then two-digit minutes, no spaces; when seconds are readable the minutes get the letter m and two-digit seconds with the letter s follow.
10h45
